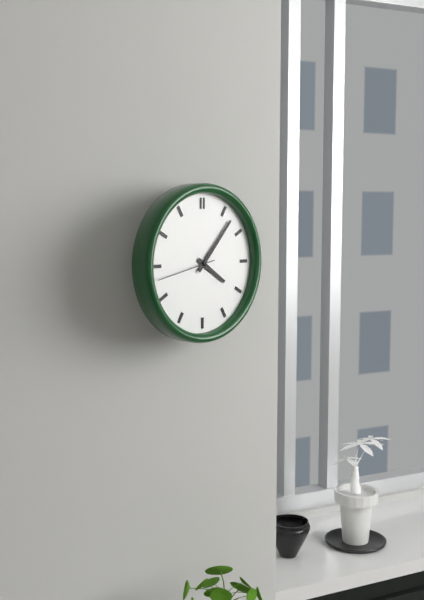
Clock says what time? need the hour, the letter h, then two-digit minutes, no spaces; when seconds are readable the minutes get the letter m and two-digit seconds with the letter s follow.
4h07m43s
